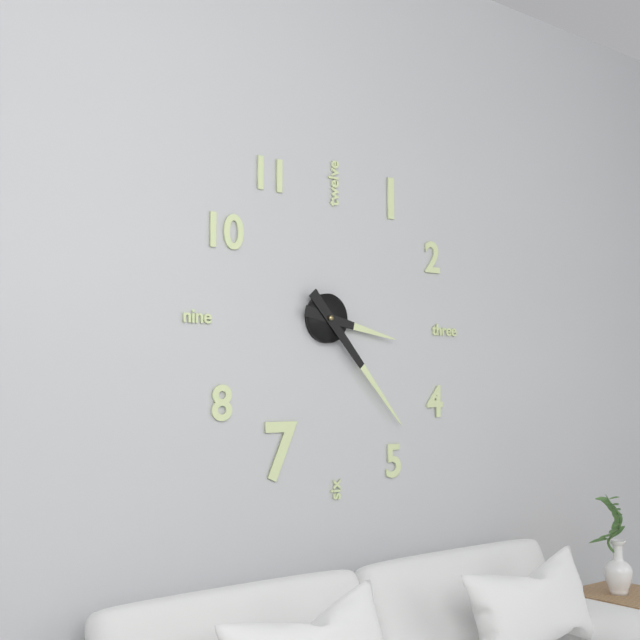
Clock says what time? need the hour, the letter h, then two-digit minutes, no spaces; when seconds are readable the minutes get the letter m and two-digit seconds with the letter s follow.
3h23
